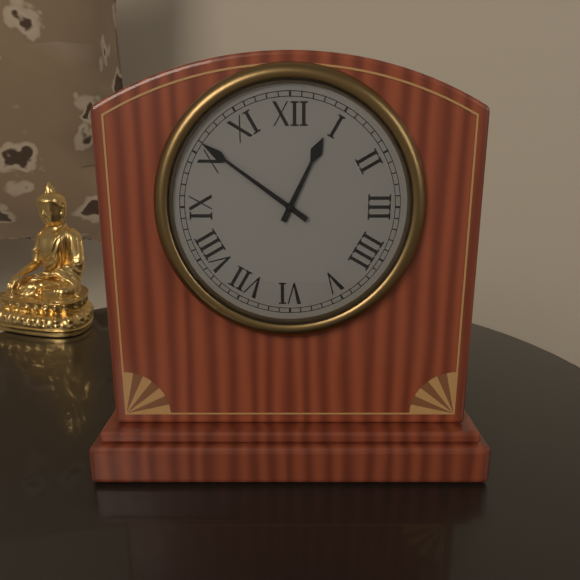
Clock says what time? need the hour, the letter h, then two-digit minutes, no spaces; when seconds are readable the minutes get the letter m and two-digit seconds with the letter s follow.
12h51
